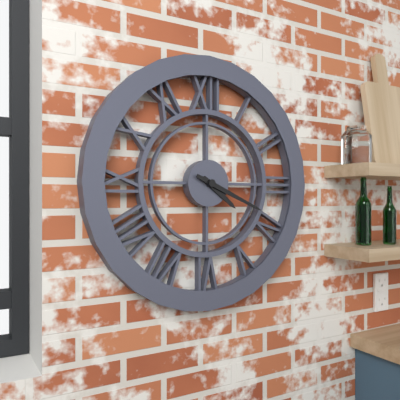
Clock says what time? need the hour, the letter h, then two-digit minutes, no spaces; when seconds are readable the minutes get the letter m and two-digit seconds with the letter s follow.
4h19
